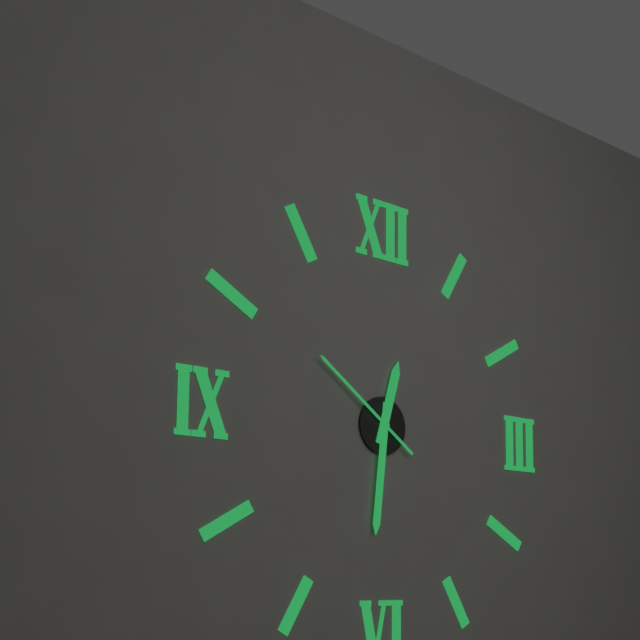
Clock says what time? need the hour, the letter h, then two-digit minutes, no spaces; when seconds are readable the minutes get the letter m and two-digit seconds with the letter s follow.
12h31m51s
